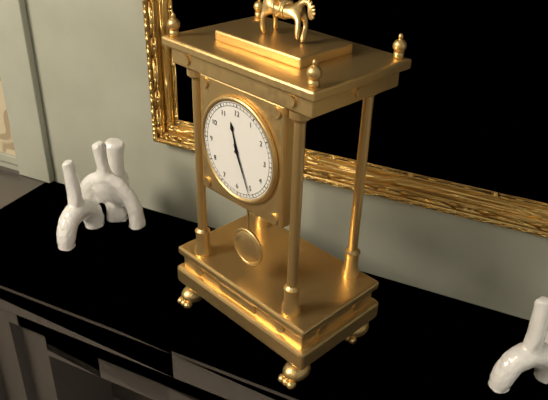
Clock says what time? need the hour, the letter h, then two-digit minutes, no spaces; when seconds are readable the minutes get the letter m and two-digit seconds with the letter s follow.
11h26
